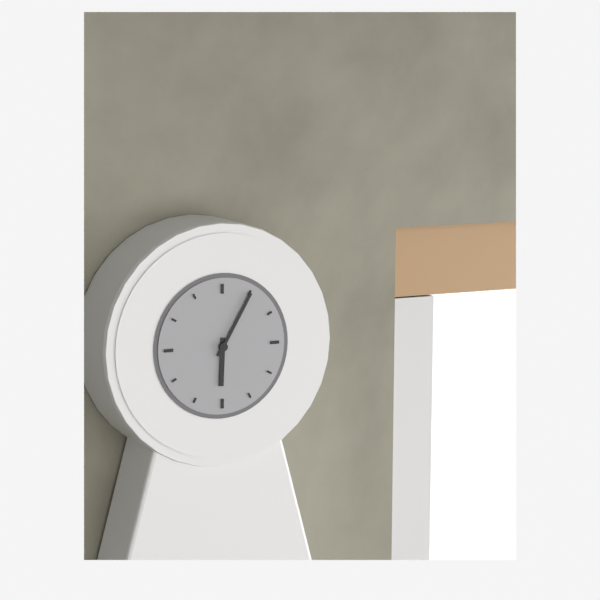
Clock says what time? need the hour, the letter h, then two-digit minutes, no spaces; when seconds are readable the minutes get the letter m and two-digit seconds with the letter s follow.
6h05
